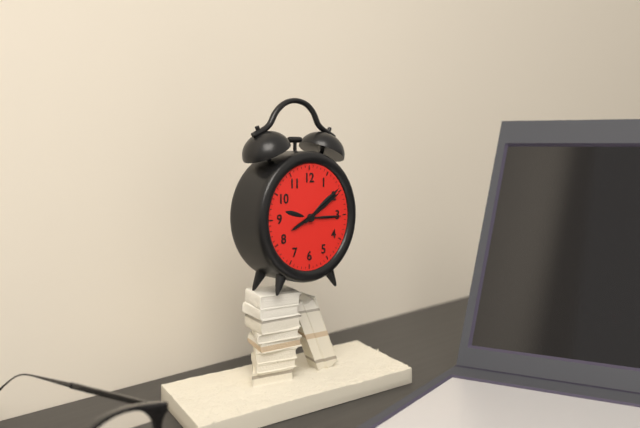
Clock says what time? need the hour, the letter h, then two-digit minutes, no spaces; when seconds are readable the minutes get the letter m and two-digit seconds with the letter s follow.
8h10
